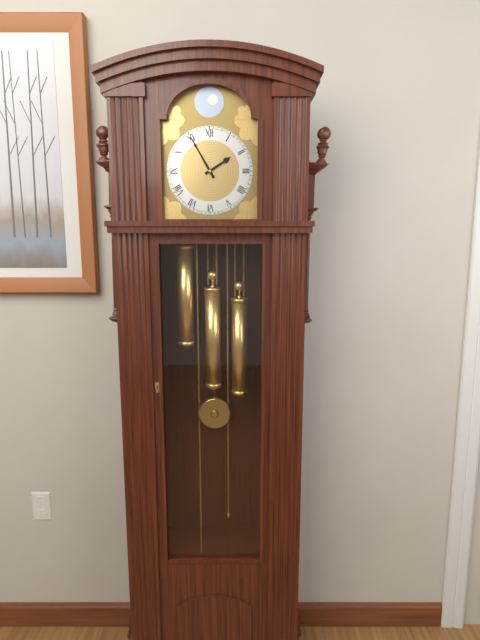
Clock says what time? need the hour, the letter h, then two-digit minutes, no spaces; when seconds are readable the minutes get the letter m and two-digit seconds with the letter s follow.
1h55
